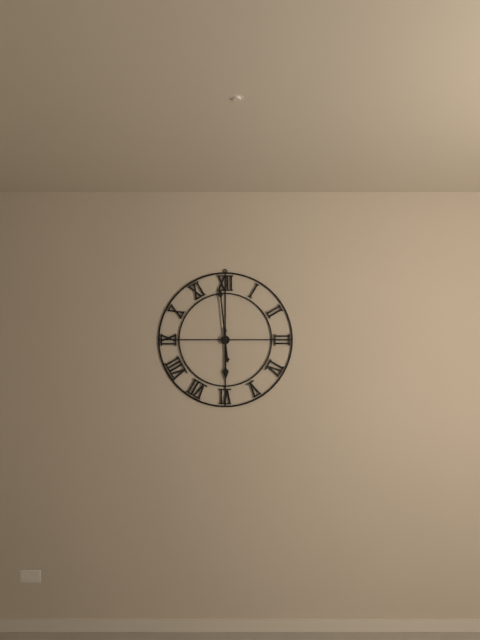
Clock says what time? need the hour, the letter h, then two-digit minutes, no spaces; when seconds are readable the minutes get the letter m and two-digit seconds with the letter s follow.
5h59
